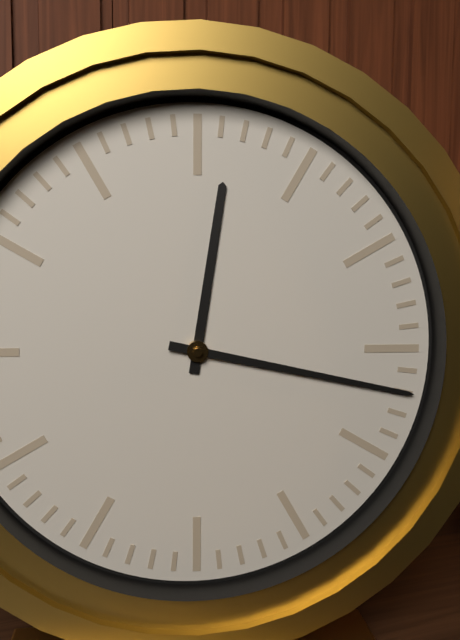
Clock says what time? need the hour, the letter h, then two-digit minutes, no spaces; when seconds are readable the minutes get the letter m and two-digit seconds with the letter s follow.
12h17
